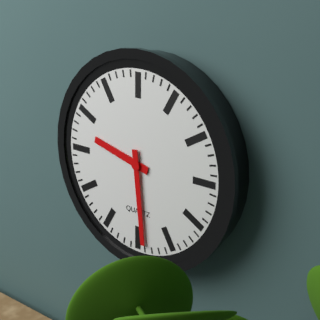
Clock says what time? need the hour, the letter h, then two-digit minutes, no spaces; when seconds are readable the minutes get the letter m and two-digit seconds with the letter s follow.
9h29
